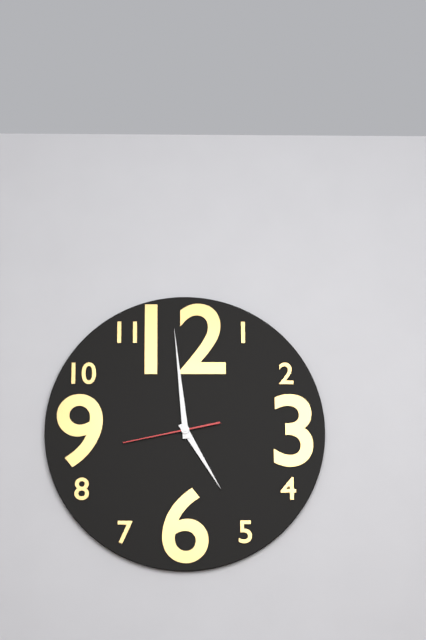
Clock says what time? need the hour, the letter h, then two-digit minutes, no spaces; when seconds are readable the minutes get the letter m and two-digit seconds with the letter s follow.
4h59m43s
